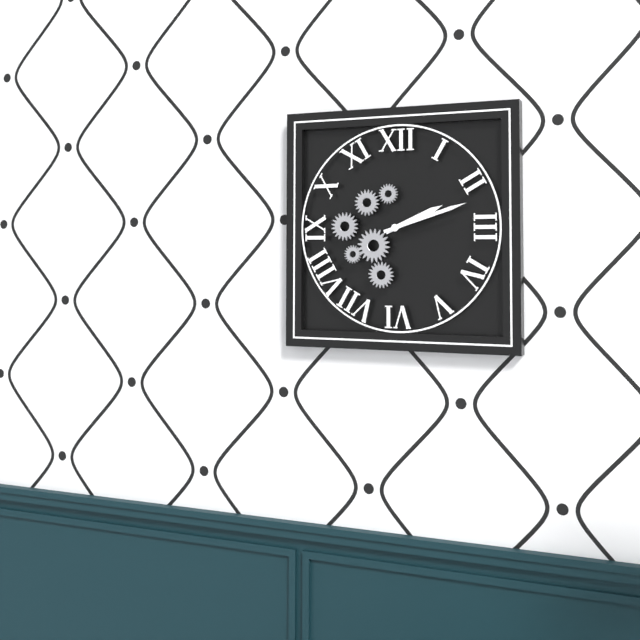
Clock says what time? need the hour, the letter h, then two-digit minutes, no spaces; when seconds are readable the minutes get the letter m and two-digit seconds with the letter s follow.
2h12
